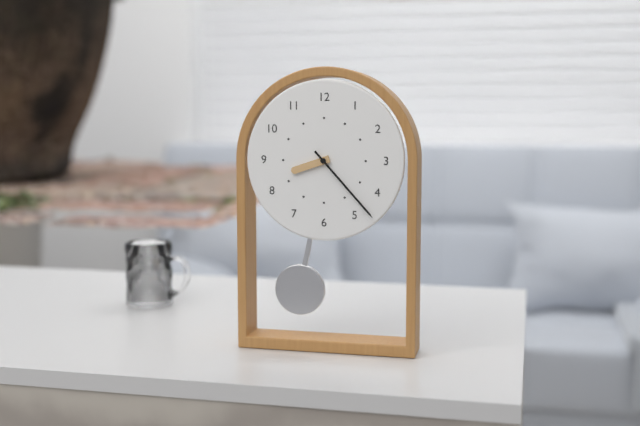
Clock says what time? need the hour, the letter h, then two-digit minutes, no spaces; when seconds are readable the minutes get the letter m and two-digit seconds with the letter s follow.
8h23
